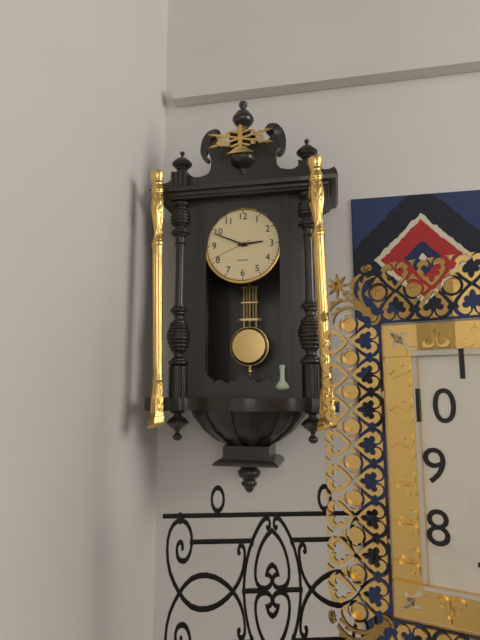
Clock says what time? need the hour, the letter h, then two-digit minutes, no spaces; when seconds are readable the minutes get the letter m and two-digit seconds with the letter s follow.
2h49
